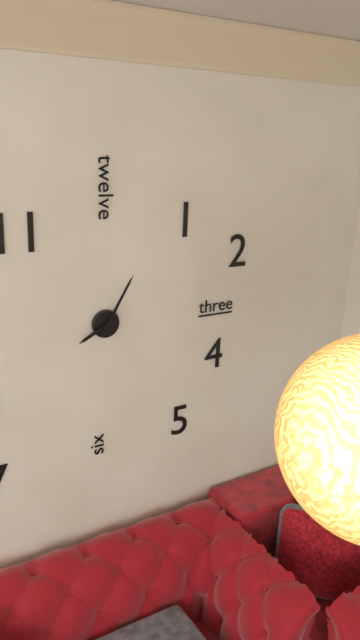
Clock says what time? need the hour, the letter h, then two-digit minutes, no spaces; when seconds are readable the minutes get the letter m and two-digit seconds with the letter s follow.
8h05
